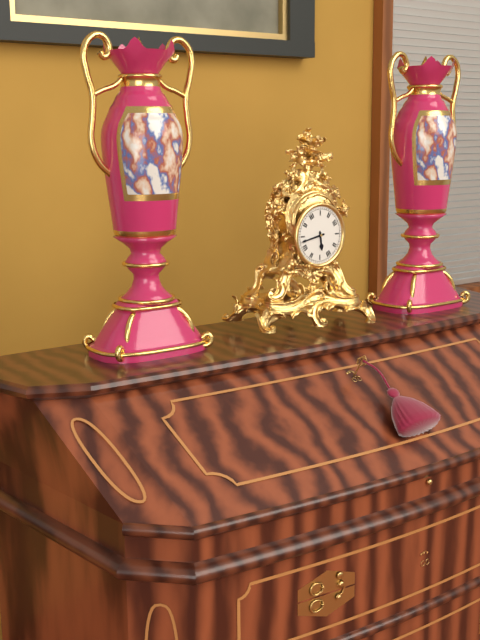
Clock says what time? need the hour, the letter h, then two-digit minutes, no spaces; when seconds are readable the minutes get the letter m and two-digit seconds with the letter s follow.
5h43
